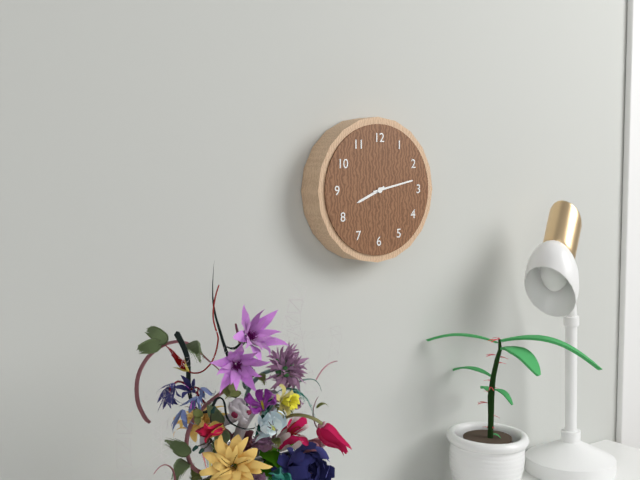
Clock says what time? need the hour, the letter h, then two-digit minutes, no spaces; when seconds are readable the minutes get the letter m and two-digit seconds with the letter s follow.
8h13
